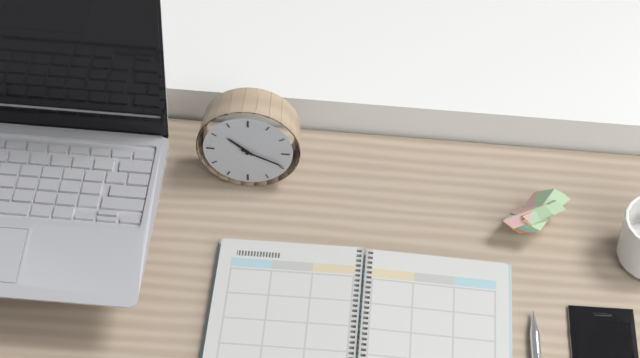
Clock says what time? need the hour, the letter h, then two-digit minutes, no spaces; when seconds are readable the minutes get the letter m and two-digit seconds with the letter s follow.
10h19
